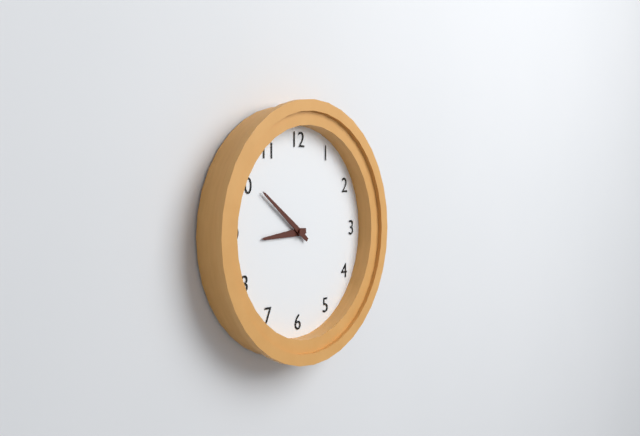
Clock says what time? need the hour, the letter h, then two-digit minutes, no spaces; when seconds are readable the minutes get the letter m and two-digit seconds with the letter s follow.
8h51
